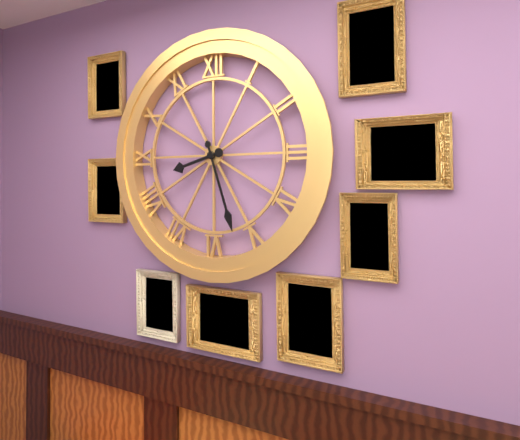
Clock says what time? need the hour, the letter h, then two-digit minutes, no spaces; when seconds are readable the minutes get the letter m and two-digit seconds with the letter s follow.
8h27
